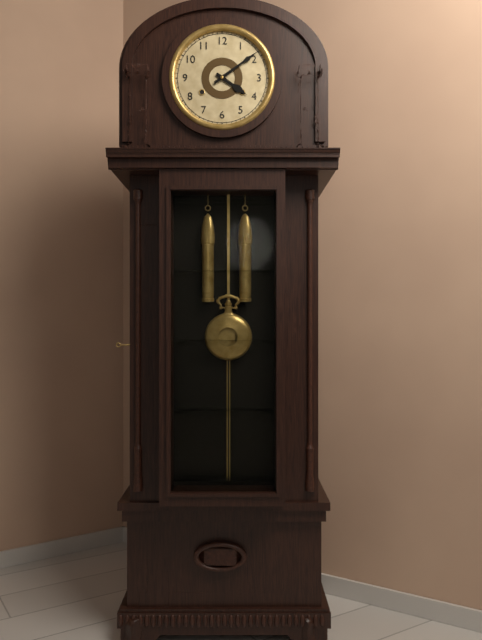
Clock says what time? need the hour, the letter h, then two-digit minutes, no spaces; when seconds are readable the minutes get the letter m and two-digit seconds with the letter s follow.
4h09
